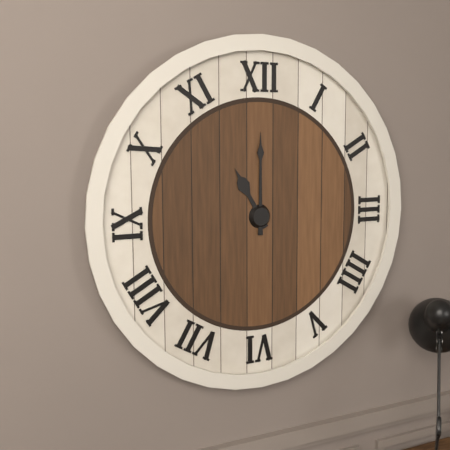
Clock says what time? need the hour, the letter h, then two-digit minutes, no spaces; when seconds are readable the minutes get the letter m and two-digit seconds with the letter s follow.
11h00
